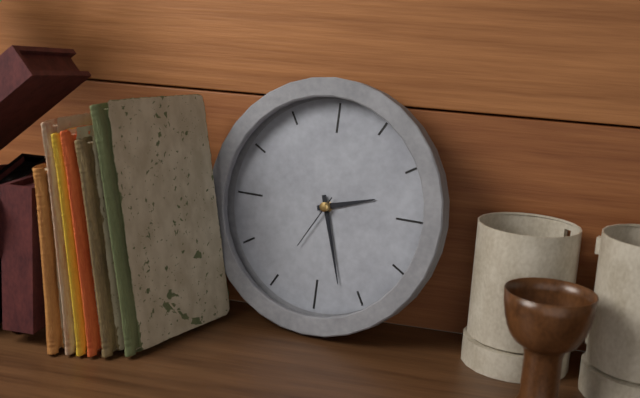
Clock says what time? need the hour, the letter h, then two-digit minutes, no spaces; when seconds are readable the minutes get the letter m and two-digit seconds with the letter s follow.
2h27m35s
